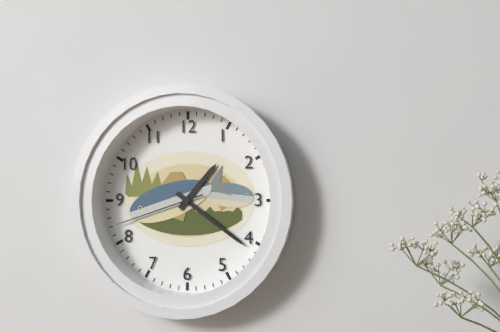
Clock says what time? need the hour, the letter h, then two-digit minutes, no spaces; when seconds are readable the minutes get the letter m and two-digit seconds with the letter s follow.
1h21m42s
